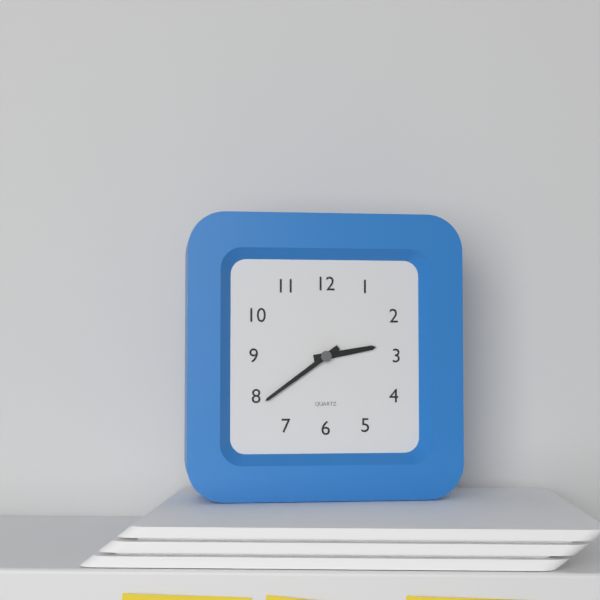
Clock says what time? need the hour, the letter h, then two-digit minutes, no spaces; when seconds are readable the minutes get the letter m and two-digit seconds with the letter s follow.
2h39
